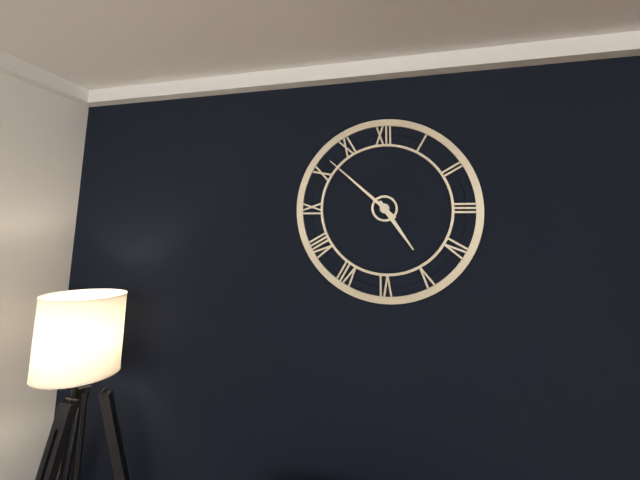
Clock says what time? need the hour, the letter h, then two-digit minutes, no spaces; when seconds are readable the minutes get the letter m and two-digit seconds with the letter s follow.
4h52
